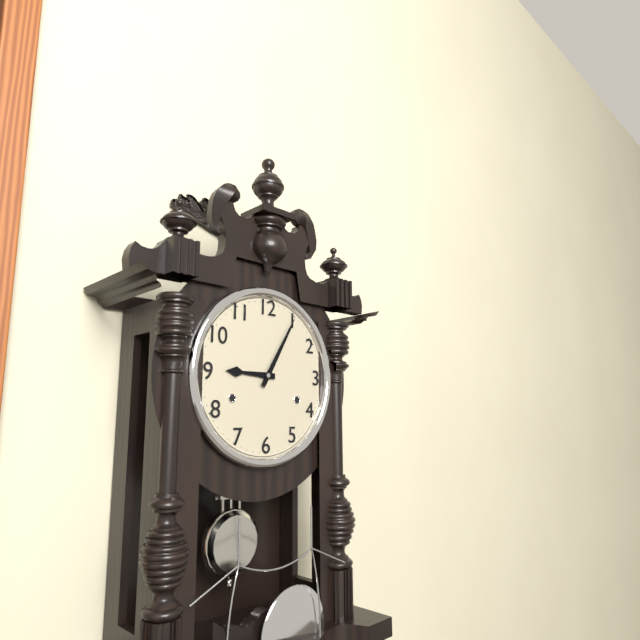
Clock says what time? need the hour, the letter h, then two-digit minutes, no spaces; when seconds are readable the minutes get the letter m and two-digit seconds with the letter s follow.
9h05
